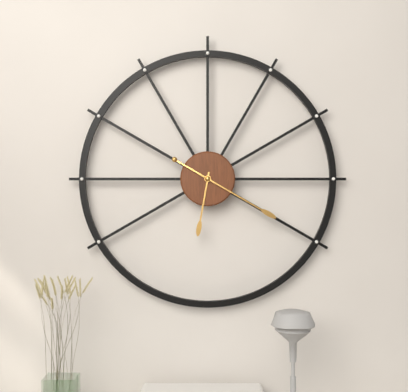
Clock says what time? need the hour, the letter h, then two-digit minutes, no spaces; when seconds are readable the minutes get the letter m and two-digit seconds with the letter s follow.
6h20
